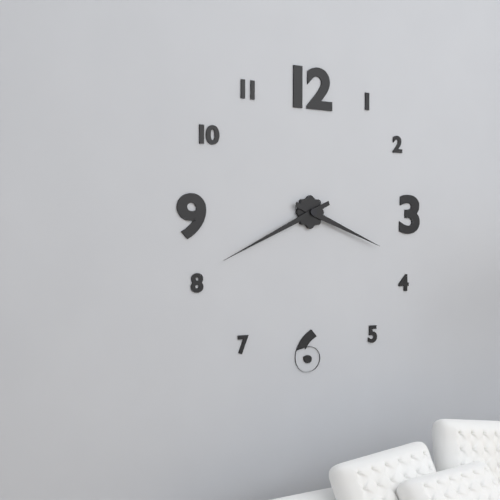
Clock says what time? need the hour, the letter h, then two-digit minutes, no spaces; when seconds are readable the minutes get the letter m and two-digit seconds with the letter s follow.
3h41
